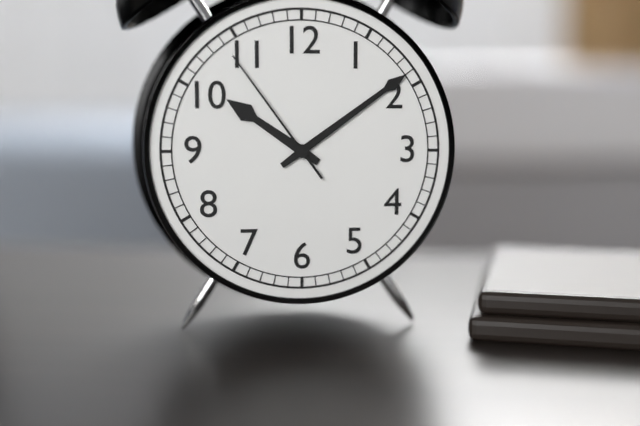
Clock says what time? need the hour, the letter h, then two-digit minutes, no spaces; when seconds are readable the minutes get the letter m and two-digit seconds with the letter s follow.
10h09m54s
